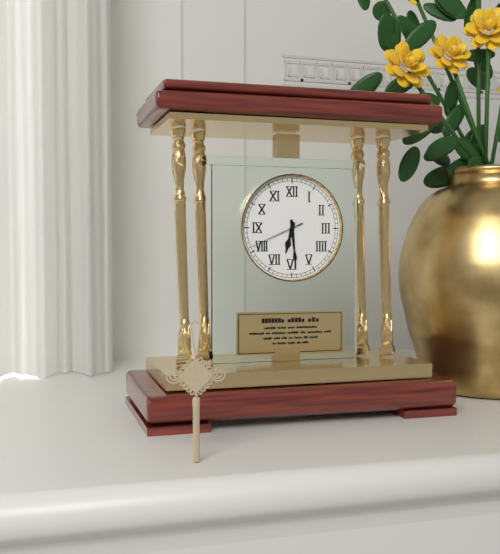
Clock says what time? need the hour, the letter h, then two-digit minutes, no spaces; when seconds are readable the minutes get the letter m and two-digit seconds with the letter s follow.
6h29m41s
